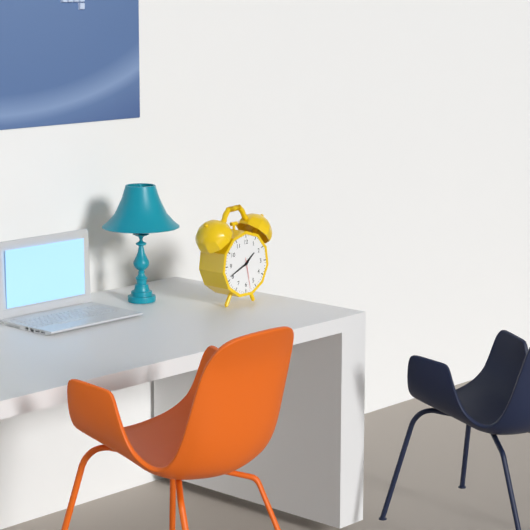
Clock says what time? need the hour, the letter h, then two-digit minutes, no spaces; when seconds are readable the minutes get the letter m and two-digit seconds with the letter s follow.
1h41
